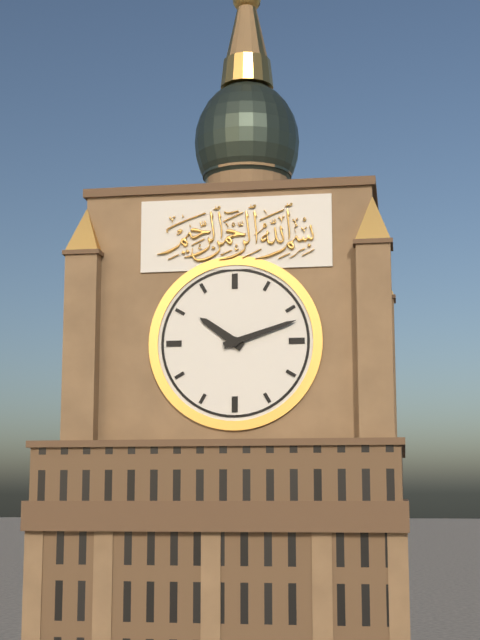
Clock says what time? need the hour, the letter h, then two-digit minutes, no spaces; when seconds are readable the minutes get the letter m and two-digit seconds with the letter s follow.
10h12
